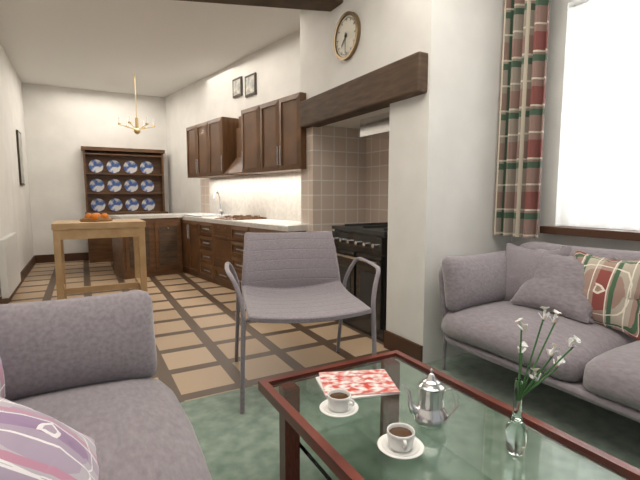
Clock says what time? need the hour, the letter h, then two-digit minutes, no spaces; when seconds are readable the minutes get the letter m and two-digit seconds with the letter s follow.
7h30
